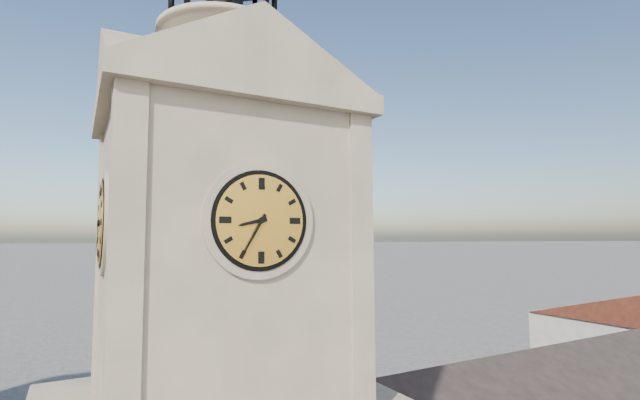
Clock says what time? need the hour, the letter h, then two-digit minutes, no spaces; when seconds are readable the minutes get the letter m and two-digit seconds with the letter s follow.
8h35
